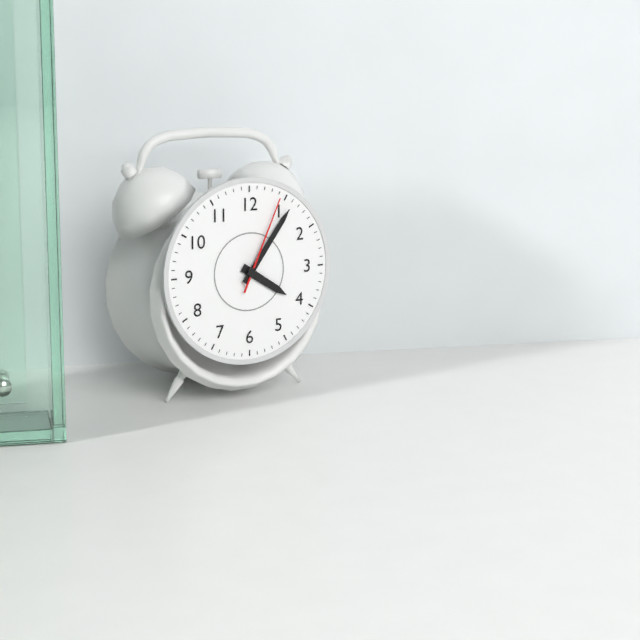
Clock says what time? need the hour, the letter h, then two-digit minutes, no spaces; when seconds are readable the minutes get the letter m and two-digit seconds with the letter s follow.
4h06m04s
